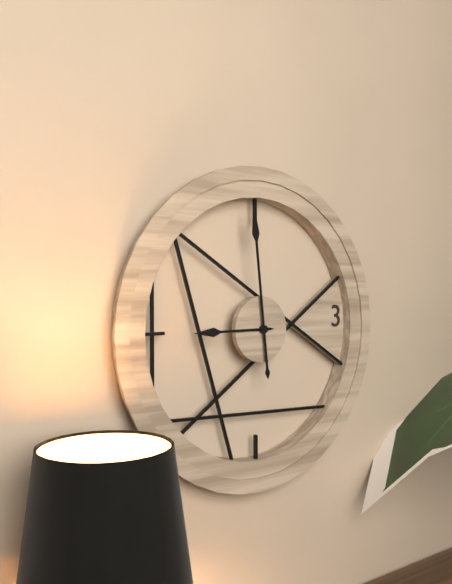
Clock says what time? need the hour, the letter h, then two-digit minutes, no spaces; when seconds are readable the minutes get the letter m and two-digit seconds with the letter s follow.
8h59
